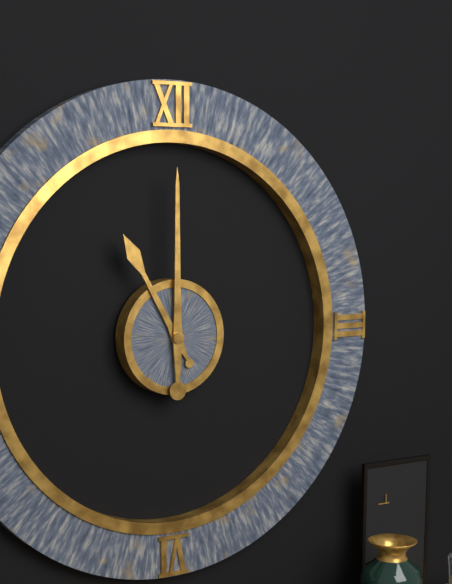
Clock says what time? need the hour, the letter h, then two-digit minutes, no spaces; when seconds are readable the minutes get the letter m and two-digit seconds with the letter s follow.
11h00
